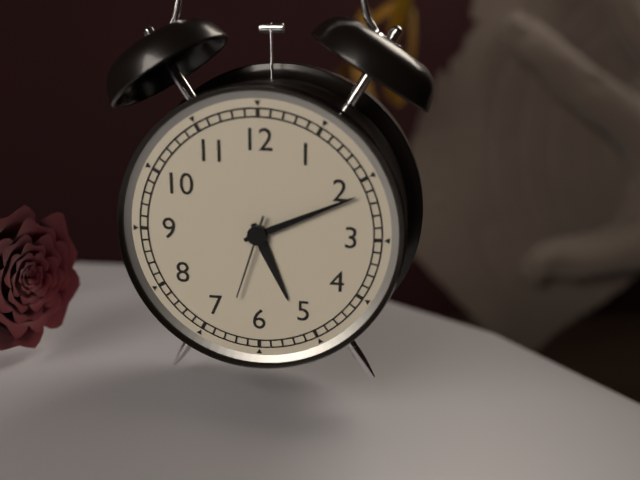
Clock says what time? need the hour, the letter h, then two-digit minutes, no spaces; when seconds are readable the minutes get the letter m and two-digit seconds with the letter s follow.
5h11m33s
